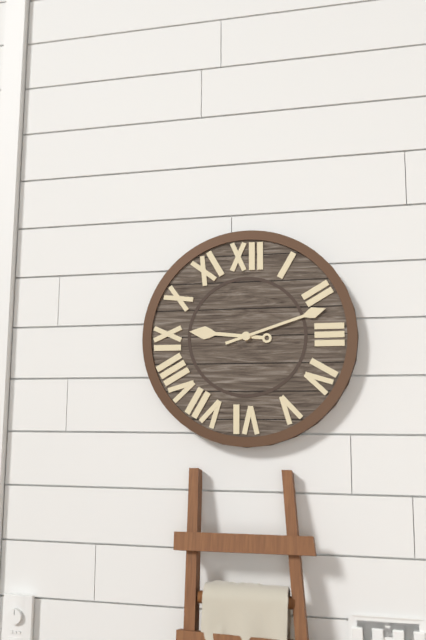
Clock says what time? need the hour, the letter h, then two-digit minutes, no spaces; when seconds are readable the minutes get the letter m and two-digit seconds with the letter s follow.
9h12
